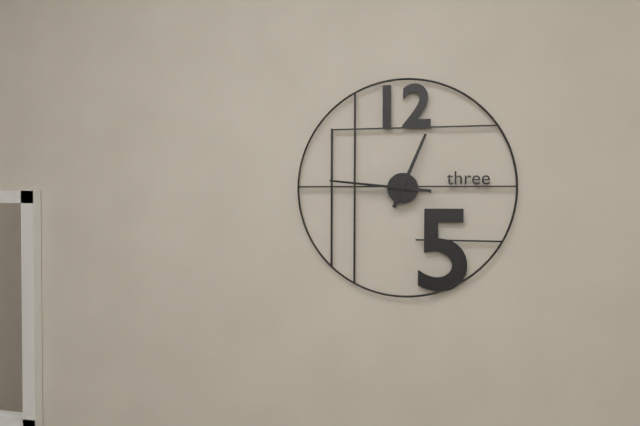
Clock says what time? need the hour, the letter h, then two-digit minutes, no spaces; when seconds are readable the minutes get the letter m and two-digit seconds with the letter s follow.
12h46
